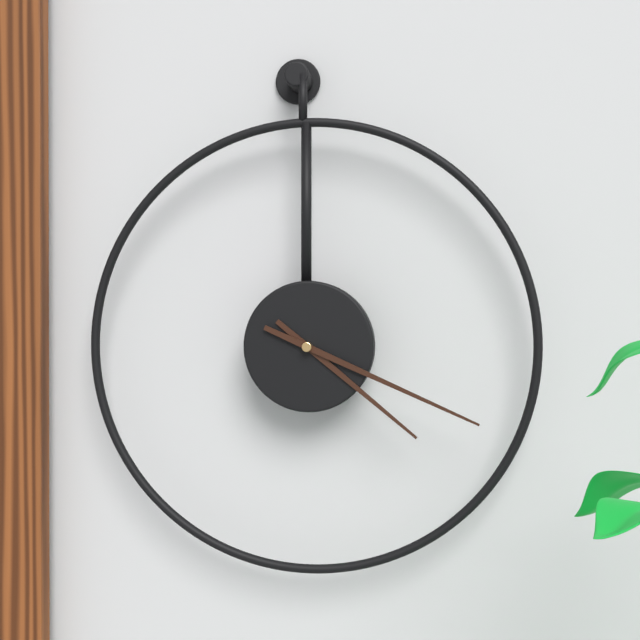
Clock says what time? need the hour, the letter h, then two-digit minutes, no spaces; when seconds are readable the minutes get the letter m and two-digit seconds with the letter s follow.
4h19
